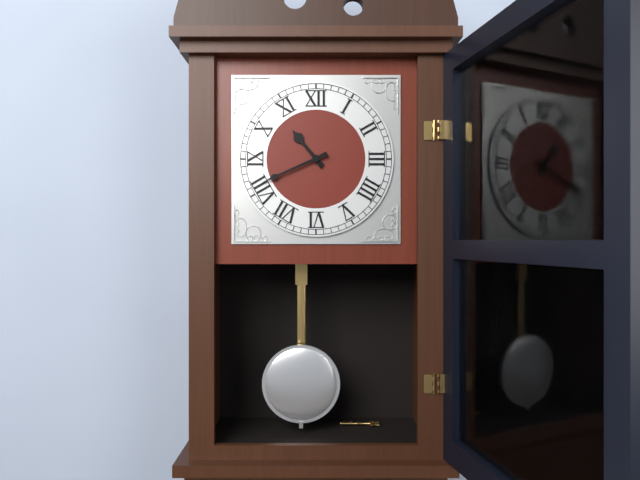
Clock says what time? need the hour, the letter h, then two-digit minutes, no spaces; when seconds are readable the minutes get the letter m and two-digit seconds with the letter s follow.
10h41
